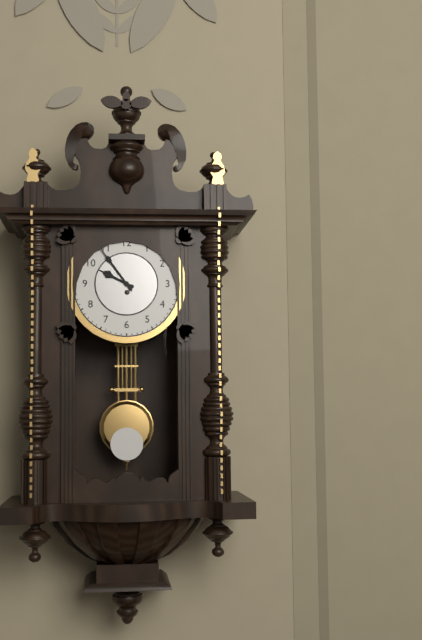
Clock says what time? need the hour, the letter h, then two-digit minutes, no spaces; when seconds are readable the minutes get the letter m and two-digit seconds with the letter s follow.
9h54
